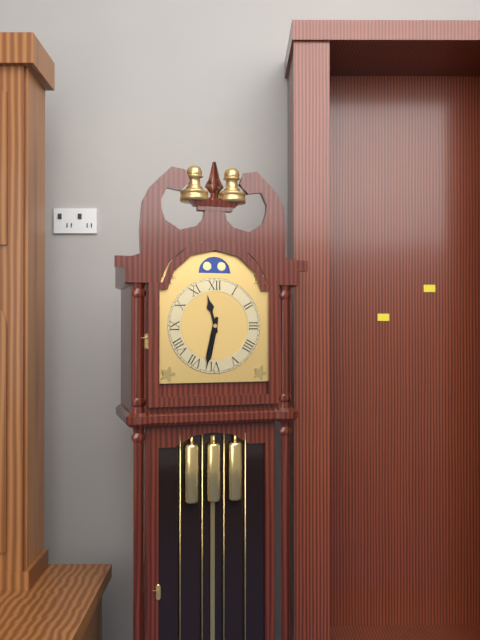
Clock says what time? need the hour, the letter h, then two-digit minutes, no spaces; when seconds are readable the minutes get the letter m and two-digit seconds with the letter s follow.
11h32
